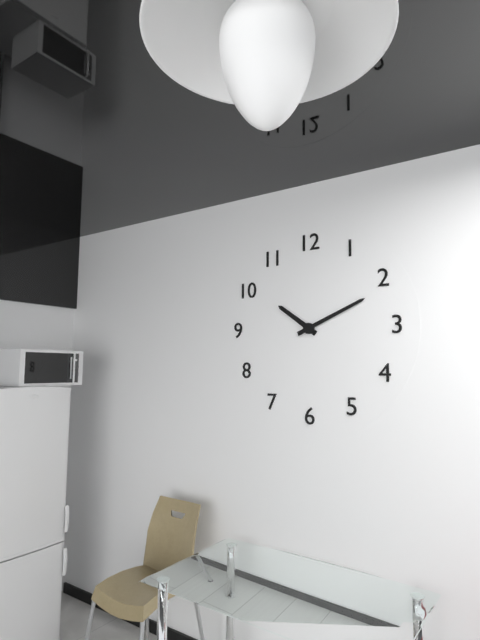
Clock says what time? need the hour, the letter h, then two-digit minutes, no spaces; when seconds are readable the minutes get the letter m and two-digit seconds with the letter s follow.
10h11
